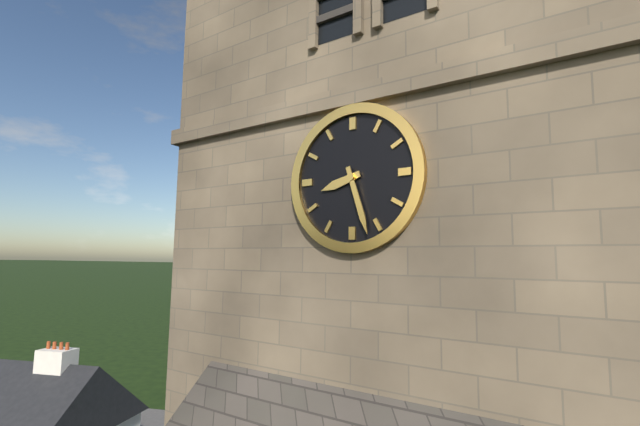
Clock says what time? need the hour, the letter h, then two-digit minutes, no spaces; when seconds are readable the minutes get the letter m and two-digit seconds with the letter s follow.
8h27
